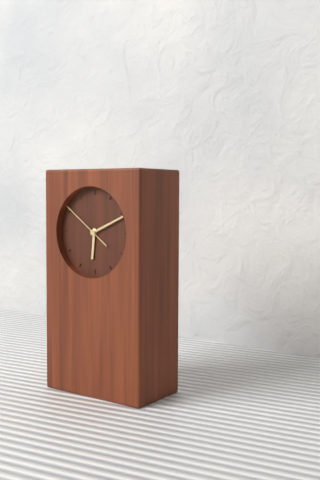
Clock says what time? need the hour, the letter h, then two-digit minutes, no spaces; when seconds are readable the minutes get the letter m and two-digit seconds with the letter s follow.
6h11
